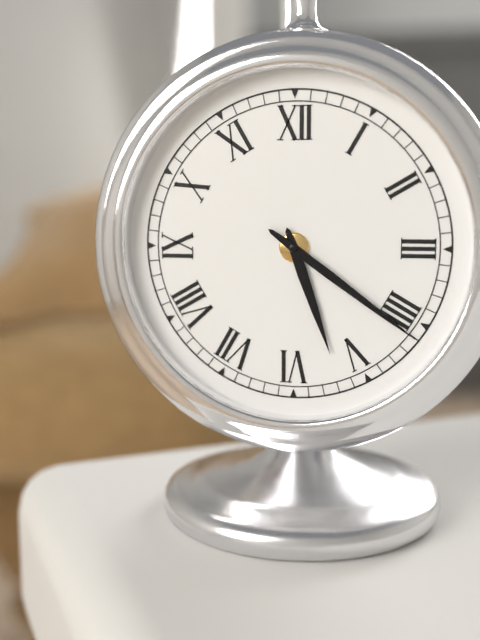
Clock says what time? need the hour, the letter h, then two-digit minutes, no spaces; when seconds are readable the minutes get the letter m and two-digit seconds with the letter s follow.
5h21
